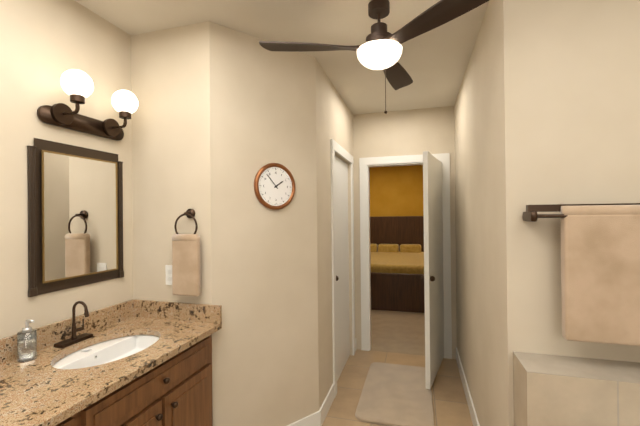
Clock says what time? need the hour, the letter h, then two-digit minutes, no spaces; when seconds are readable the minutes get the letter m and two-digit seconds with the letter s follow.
1h53
